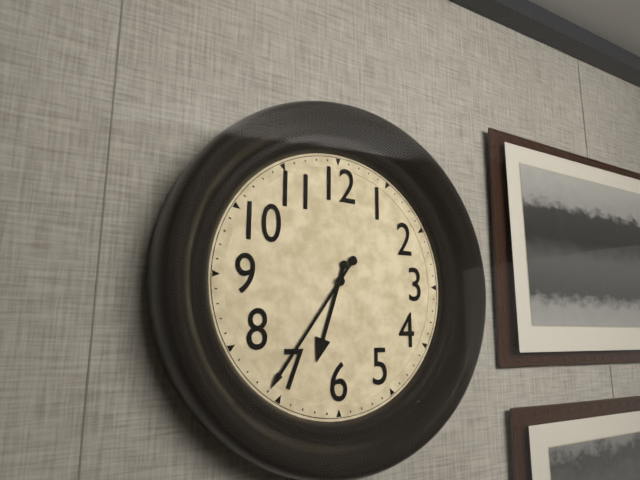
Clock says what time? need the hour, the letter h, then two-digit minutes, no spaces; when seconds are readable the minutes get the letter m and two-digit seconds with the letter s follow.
6h36
